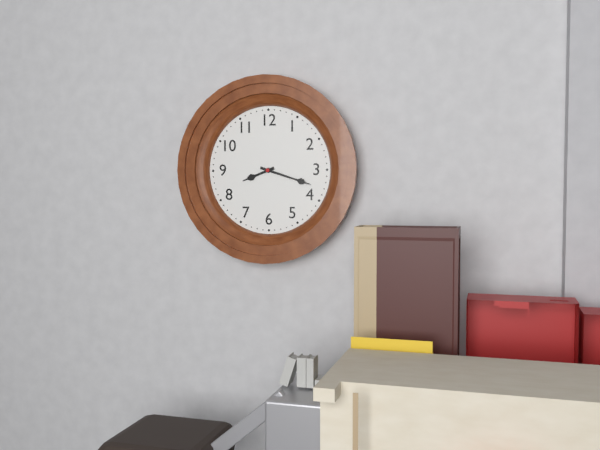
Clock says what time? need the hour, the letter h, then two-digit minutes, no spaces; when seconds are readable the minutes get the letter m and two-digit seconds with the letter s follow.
8h18
